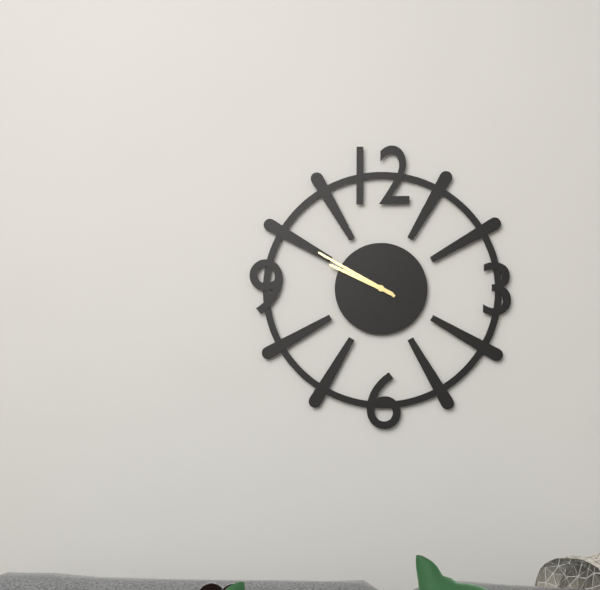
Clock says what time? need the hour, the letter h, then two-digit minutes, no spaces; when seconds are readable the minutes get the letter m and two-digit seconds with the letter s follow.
9h50
